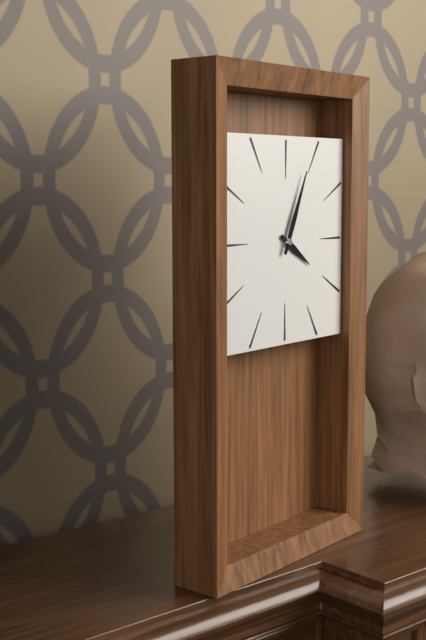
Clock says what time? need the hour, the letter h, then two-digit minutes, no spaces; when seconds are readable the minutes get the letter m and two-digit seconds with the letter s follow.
4h04
